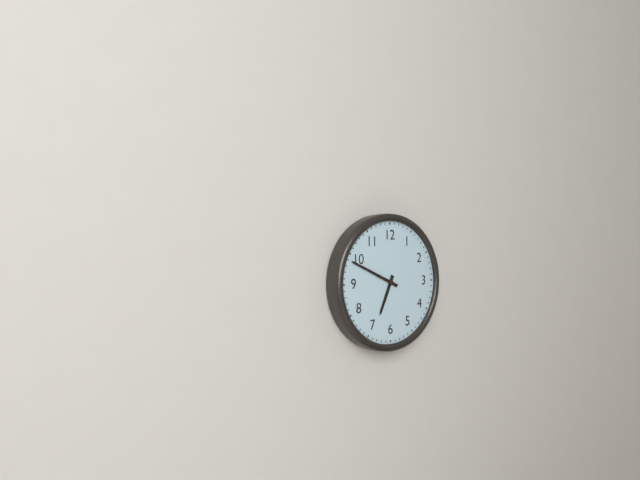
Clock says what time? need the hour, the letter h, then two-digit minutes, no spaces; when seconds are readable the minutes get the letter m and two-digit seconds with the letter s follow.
6h49
